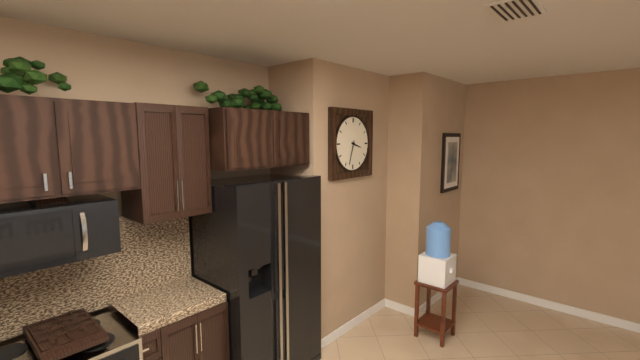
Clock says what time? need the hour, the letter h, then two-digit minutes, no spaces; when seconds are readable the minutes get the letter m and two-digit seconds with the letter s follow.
3h33
